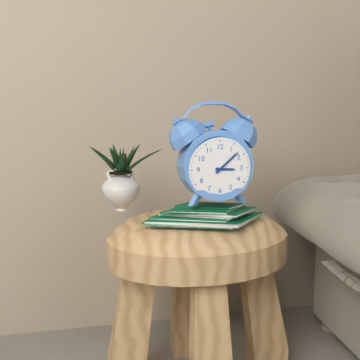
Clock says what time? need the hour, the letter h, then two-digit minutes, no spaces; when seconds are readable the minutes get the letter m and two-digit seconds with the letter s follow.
3h08
